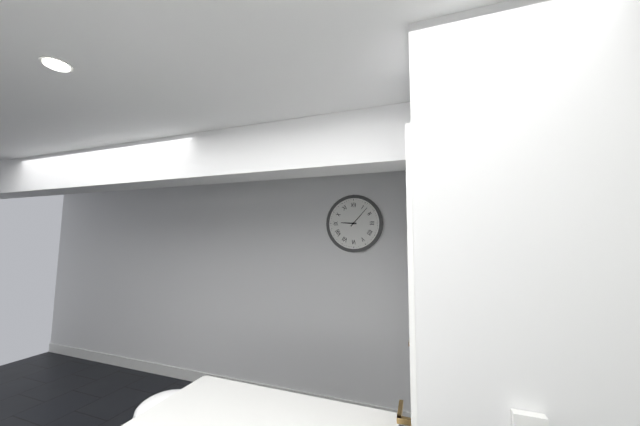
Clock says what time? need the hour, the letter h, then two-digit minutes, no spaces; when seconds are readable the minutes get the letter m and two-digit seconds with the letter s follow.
9h07
